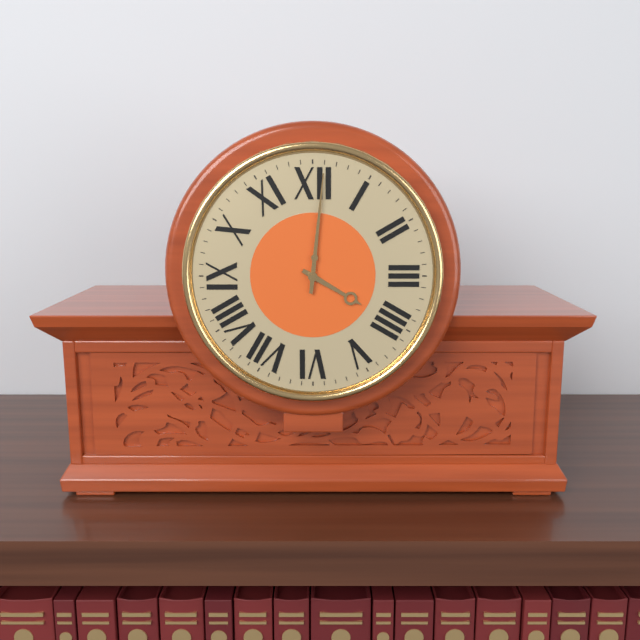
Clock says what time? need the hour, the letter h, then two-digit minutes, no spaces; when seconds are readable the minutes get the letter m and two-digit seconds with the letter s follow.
4h01
